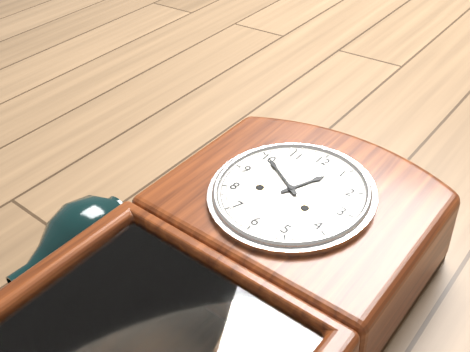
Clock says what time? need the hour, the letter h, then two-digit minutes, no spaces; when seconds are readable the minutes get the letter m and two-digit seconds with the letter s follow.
12h50
